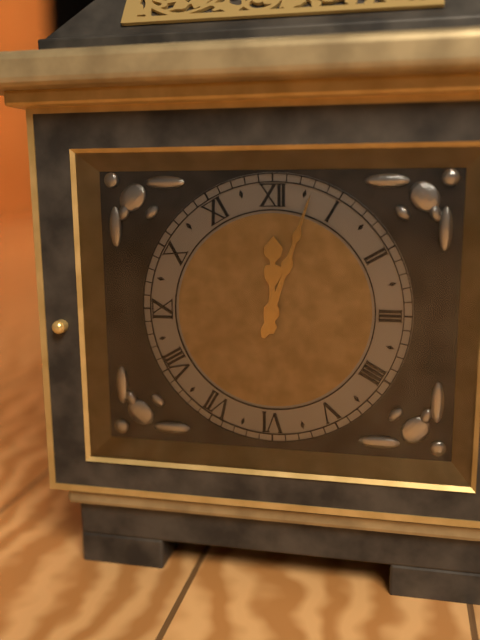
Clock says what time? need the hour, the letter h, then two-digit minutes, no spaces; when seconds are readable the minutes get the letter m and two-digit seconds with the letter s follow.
12h03
